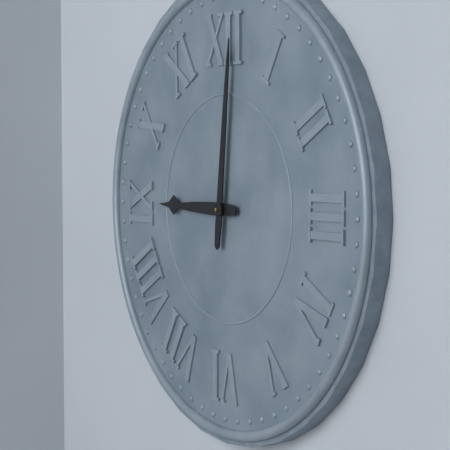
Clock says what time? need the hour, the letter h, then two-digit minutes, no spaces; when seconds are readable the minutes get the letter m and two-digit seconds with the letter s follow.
9h01
